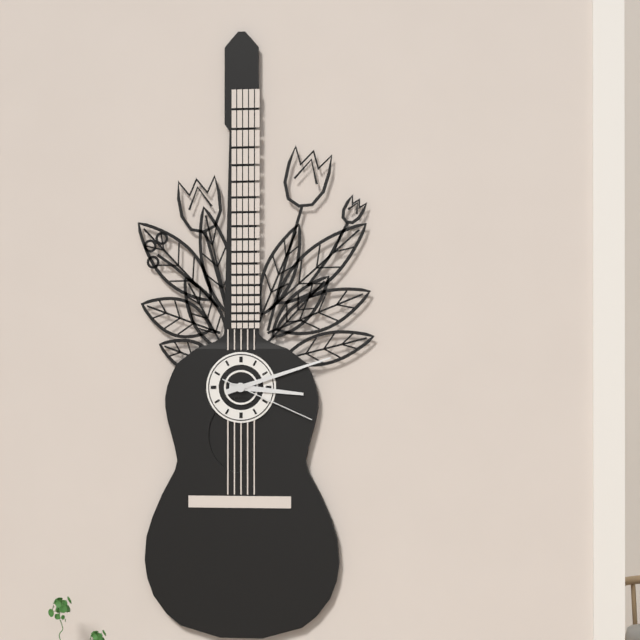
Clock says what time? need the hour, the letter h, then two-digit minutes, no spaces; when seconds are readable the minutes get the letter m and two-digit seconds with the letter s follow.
3h12m19s
